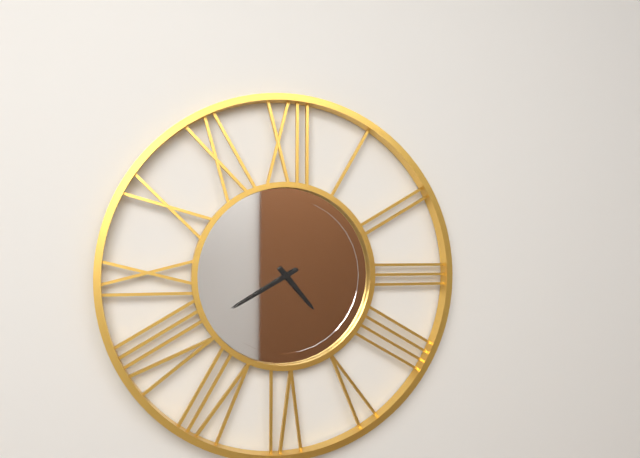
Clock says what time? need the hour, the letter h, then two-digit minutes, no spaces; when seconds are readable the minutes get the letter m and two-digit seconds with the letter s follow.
4h40
